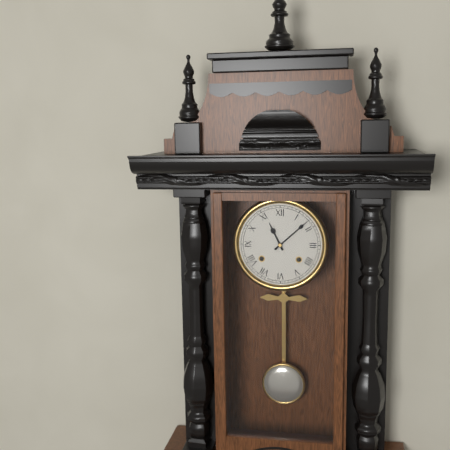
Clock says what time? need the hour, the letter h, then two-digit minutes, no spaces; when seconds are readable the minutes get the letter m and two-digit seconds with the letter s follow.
11h08
